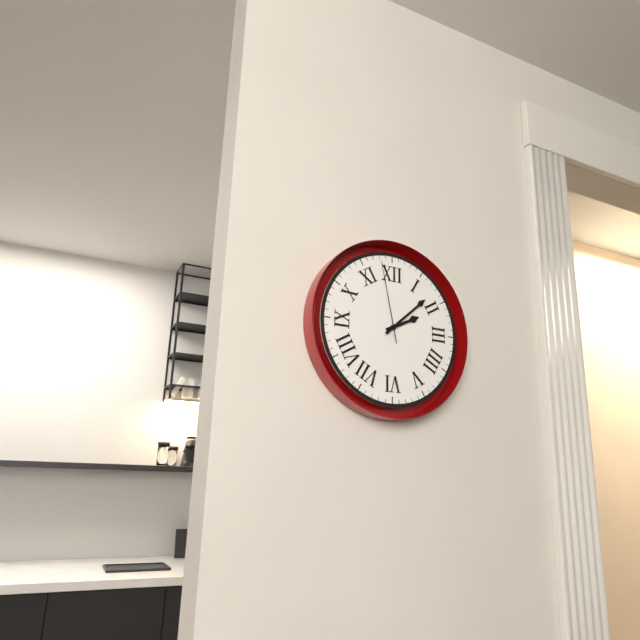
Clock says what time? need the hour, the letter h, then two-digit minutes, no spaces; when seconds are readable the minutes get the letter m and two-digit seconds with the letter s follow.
2h08m58s
